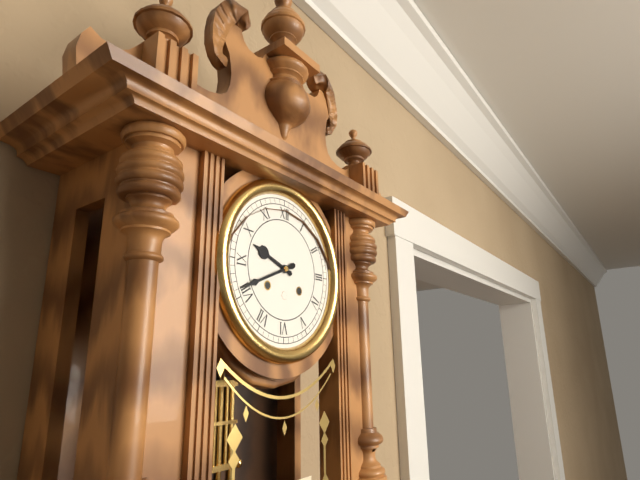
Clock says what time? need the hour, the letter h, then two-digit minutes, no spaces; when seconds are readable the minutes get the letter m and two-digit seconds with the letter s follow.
9h41
